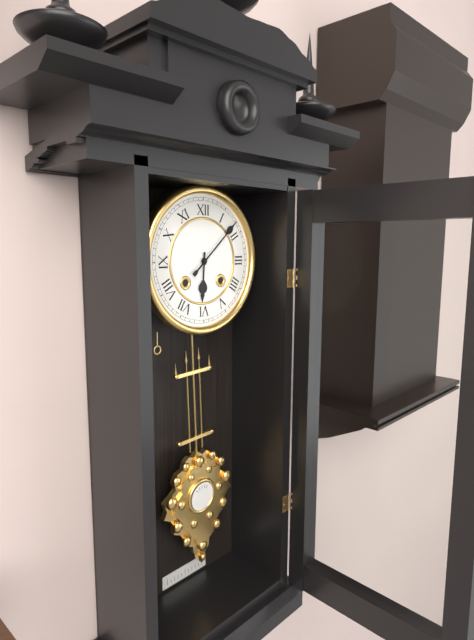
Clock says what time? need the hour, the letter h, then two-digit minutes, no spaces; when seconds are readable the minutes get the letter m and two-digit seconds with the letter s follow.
6h08
